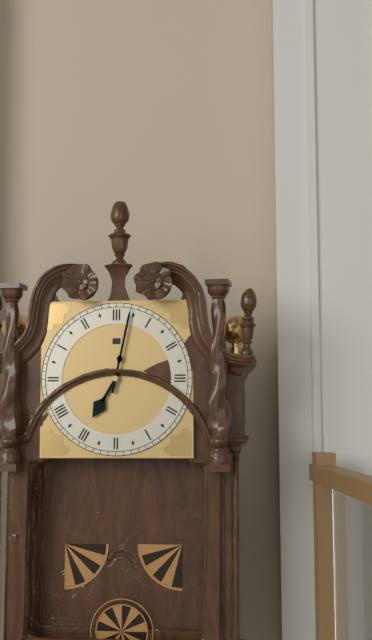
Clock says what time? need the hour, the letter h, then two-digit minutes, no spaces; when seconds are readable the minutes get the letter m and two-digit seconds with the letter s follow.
7h02
